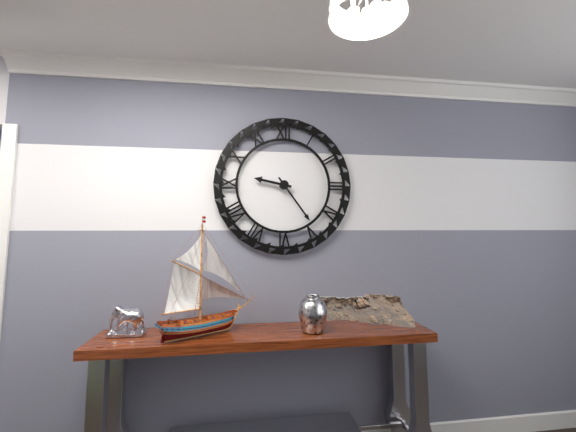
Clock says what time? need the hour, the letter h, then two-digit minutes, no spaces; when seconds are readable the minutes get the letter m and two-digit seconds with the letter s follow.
9h24
